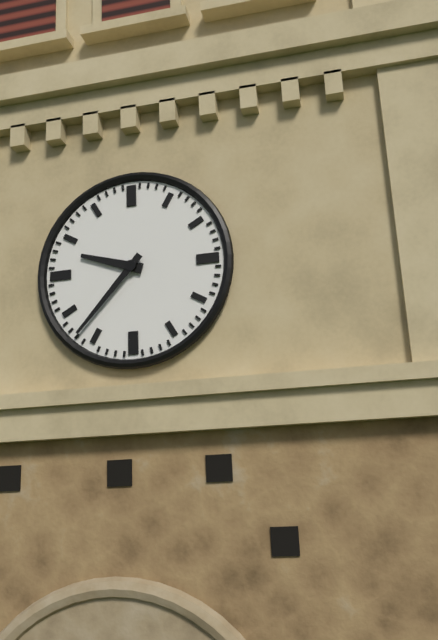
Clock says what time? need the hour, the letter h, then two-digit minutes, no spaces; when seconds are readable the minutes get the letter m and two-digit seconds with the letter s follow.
9h37
